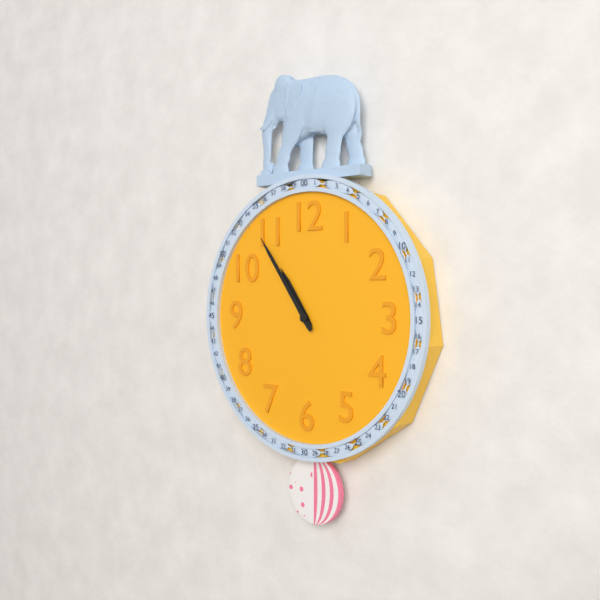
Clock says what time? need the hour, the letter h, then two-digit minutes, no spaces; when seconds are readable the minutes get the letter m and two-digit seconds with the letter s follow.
10h54
